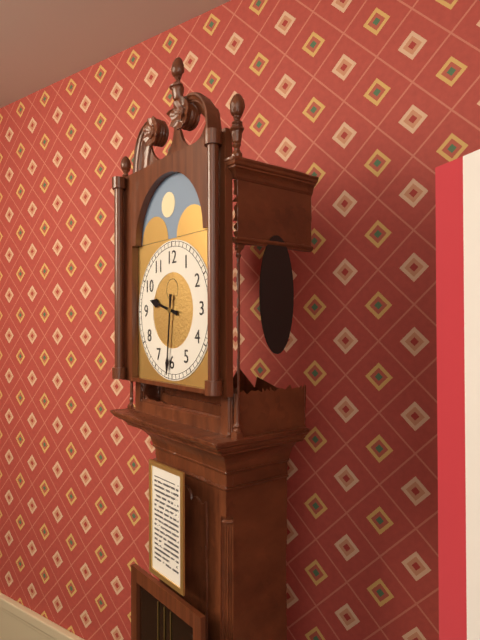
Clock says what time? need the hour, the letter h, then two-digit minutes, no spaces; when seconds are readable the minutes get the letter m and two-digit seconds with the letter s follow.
9h31
